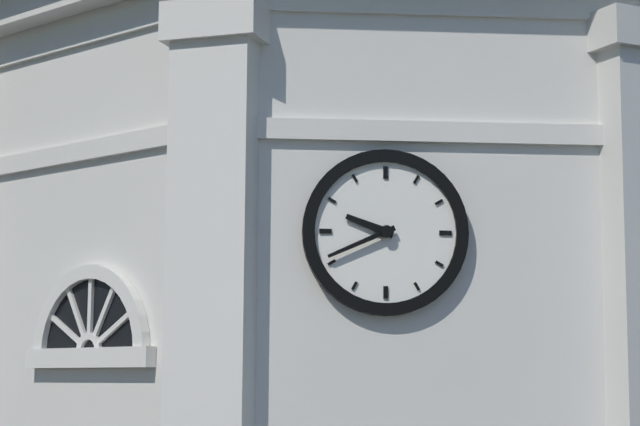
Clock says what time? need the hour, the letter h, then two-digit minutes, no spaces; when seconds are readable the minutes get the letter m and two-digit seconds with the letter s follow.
9h41
